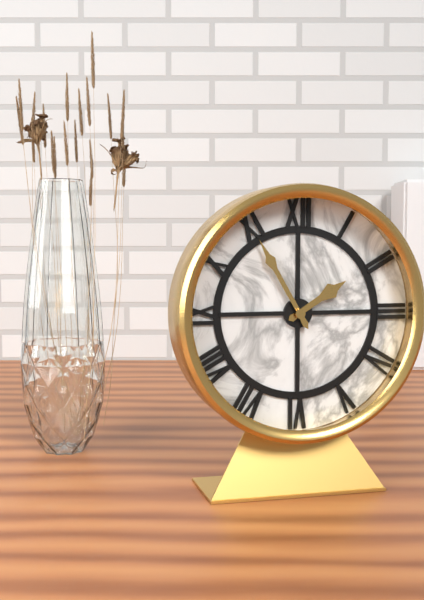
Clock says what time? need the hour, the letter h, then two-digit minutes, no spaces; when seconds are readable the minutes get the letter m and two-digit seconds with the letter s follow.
1h55
